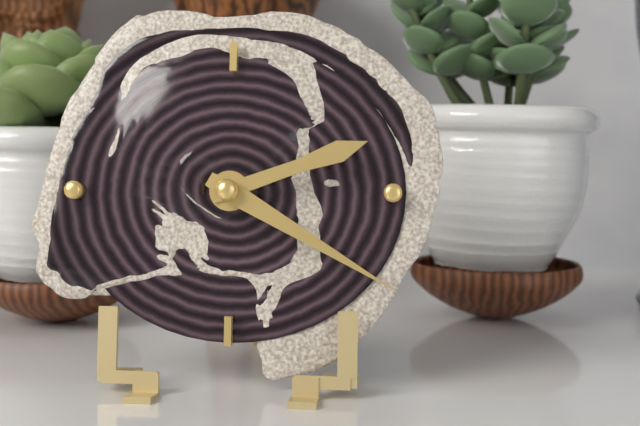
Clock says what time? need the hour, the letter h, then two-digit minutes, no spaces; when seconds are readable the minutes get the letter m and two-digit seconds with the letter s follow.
2h20
